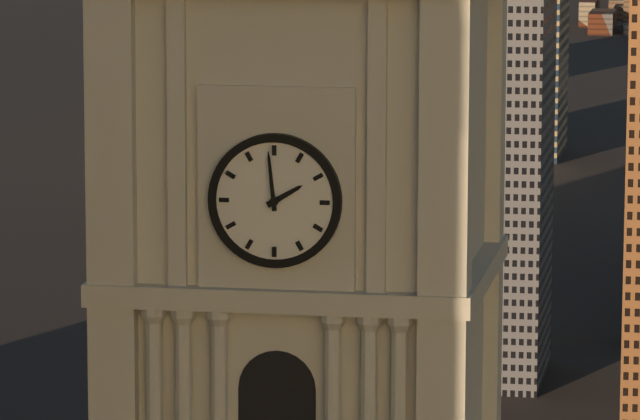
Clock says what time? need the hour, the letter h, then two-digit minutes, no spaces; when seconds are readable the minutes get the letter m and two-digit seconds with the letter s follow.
1h59
